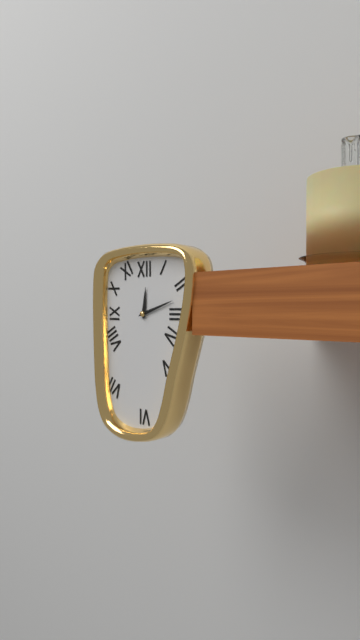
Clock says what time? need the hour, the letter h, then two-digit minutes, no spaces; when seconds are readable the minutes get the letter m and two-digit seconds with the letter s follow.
12h12
